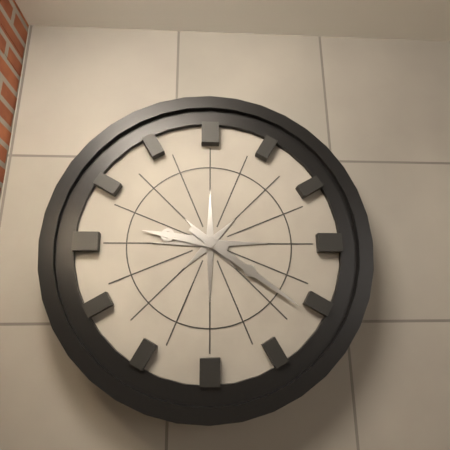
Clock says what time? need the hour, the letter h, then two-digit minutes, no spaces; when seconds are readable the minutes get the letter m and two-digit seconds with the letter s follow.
9h21
